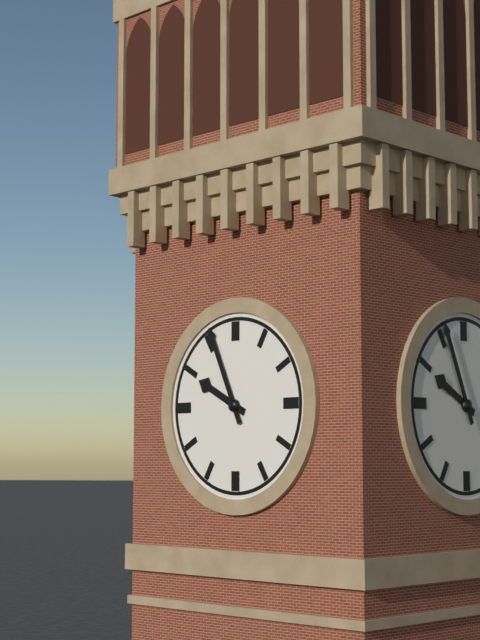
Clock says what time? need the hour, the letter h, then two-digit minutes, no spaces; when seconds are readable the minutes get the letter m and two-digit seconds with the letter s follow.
9h56
